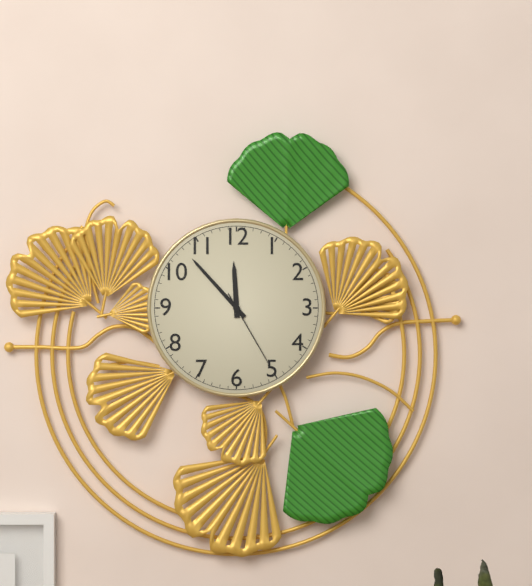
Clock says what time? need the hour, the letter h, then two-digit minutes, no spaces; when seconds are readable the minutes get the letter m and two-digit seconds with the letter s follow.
11h53m25s
